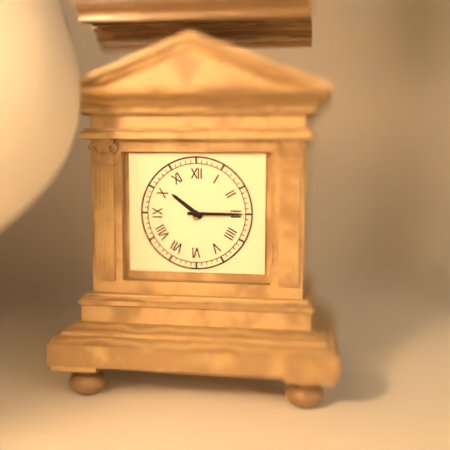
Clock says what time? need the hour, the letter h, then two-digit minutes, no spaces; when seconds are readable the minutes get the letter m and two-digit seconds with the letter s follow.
10h15
